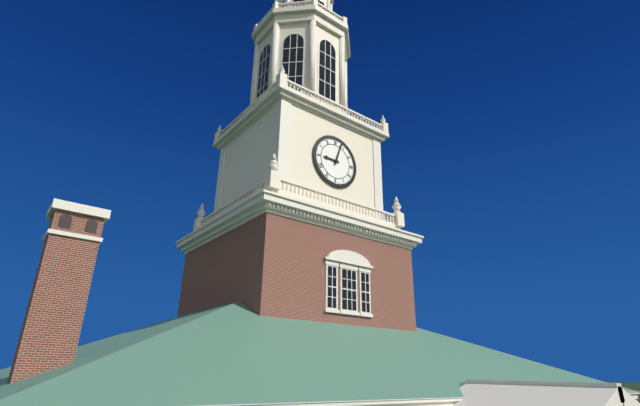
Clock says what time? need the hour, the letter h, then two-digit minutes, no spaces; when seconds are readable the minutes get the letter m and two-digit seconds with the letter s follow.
9h03
